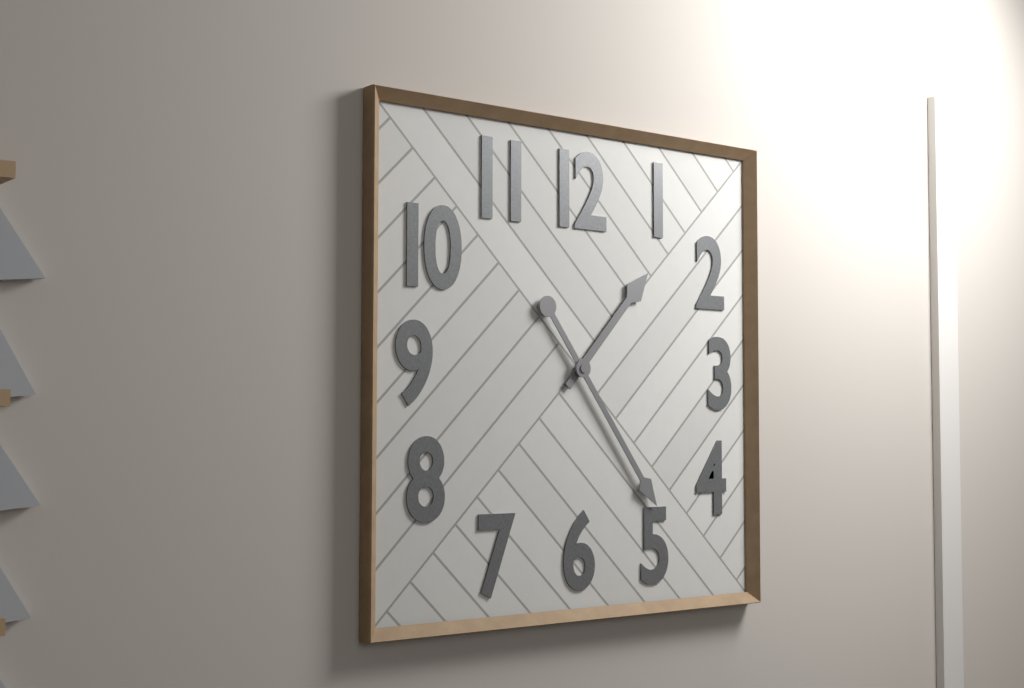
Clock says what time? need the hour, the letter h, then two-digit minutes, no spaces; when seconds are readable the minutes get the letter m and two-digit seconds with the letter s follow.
1h24
